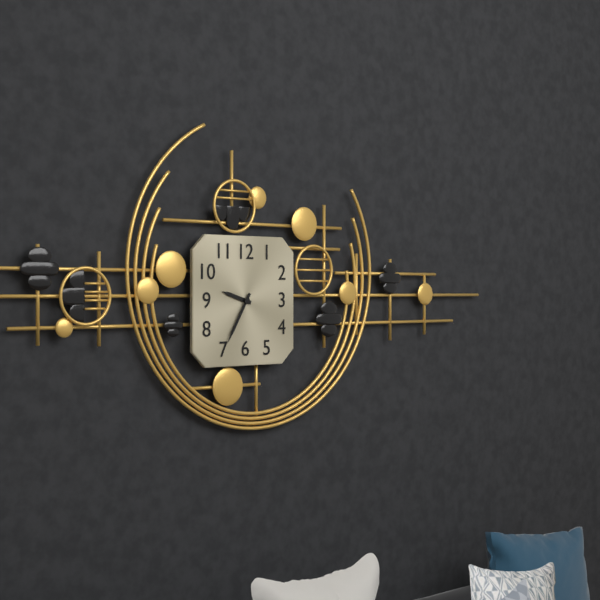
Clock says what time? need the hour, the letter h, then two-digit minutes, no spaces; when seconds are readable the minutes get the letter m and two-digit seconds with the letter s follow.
9h35
